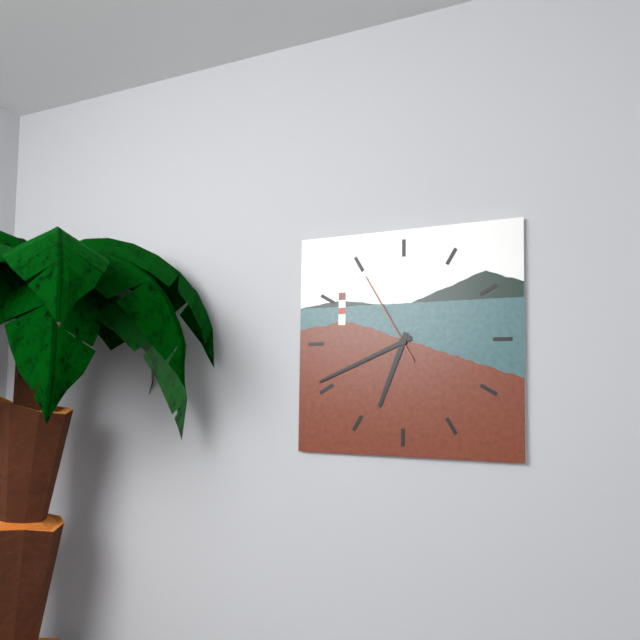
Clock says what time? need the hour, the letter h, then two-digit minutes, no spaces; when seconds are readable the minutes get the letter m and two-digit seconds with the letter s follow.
6h41m55s
